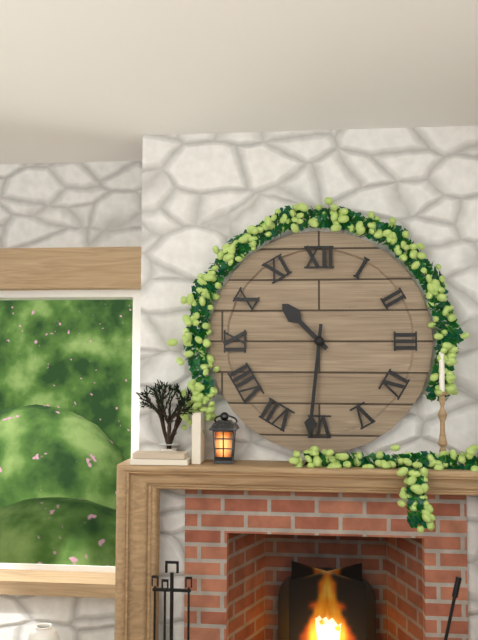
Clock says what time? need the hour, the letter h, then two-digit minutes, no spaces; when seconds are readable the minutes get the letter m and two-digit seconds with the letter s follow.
10h31
